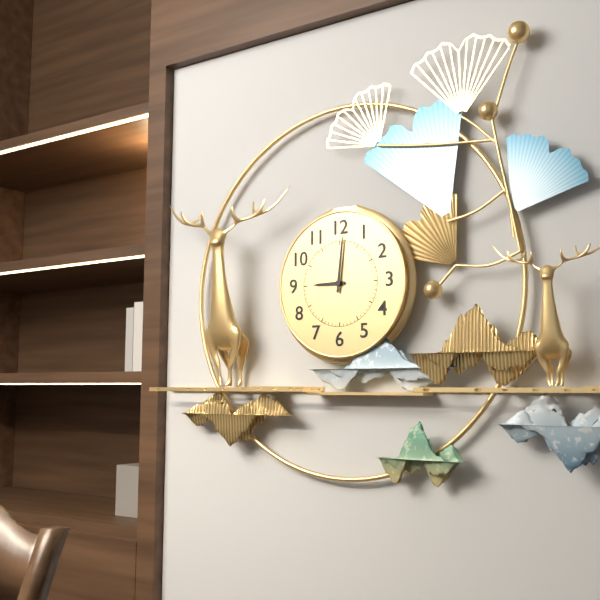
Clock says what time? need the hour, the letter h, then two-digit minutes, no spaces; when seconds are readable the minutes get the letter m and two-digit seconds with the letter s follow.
9h01
